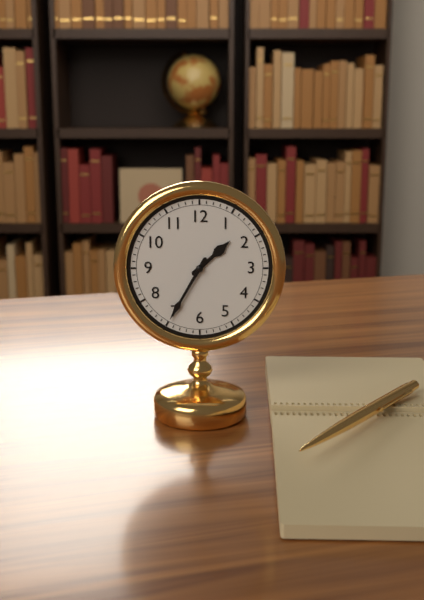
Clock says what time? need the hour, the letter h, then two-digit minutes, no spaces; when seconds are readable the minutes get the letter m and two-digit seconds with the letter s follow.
1h35
